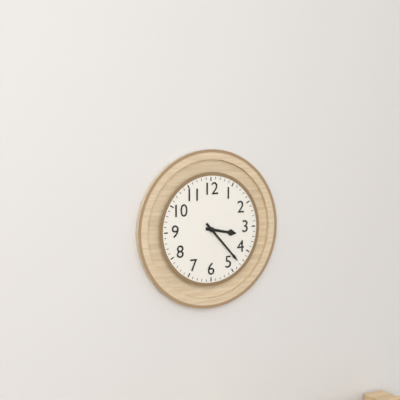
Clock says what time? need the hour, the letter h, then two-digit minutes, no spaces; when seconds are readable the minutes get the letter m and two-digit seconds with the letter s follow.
3h23
